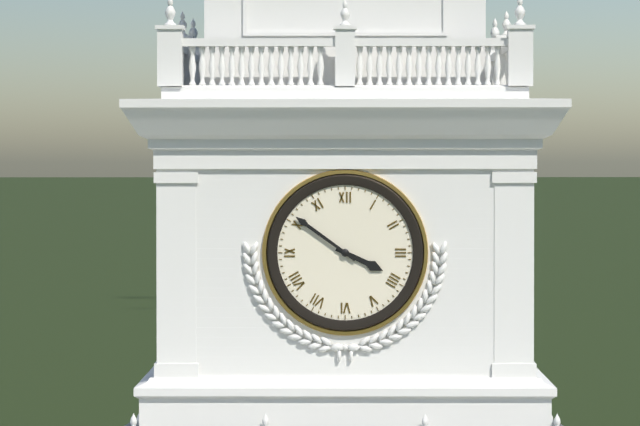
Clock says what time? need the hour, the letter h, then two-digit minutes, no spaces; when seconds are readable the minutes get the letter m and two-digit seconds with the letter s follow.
3h51
